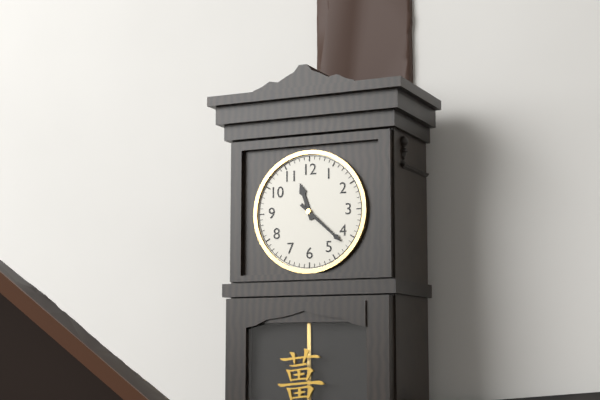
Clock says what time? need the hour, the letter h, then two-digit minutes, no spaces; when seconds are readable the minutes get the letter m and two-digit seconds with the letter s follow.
11h22
